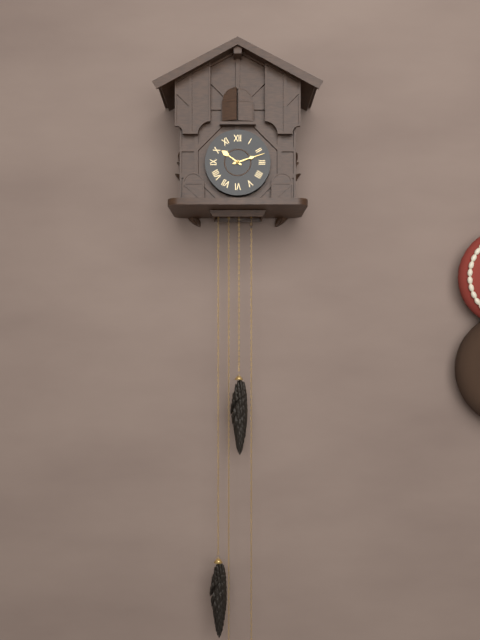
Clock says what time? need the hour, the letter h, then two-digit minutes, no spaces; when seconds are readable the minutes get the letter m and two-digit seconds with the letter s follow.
10h12
